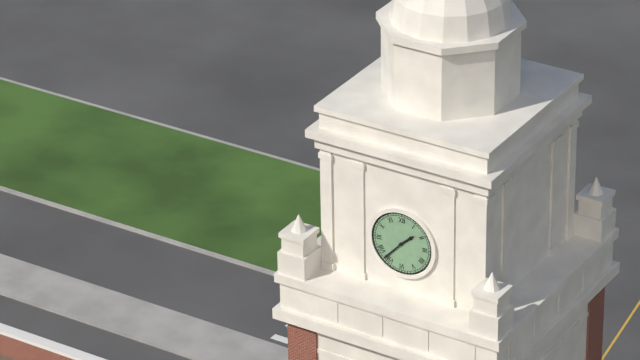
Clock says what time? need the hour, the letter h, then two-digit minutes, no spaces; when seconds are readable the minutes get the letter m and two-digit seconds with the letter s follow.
1h37
